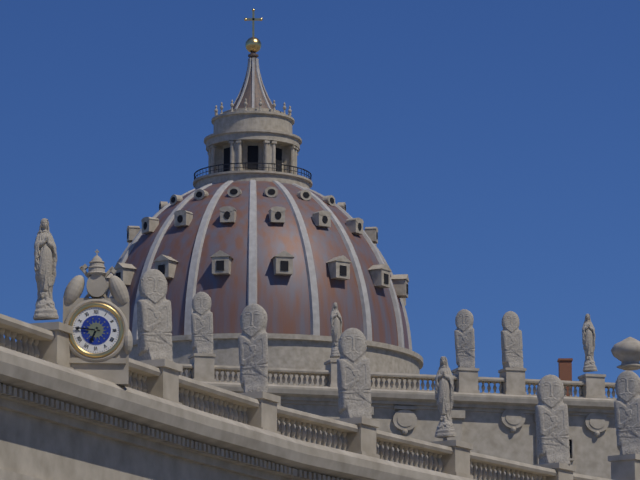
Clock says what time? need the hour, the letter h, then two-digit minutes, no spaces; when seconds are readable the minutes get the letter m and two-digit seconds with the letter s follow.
6h46
